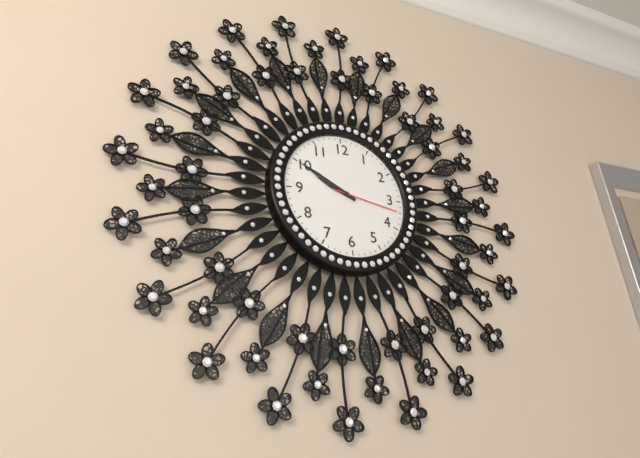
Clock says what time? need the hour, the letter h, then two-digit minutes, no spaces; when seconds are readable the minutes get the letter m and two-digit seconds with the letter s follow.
9h50m17s
